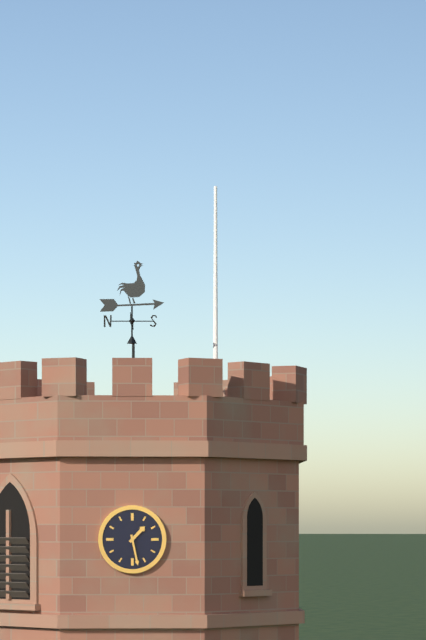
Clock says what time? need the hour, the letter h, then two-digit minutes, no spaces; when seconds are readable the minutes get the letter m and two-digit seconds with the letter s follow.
1h28
